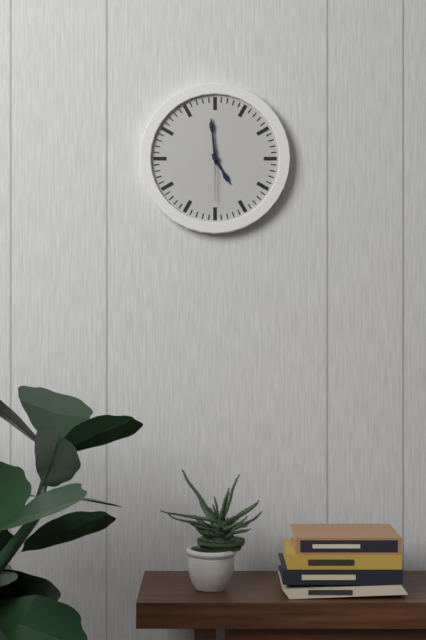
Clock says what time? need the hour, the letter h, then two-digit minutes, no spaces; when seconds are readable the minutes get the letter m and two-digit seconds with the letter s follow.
4h59m30s
